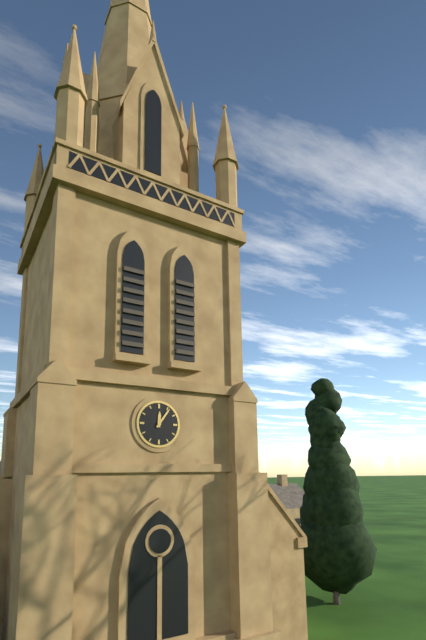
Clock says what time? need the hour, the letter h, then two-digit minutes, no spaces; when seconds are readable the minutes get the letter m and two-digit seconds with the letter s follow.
12h06
